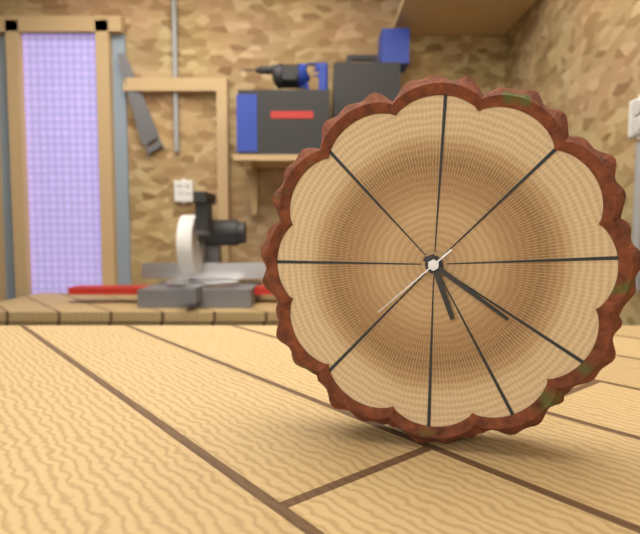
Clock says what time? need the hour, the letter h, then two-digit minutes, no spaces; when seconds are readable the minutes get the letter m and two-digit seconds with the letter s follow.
5h21m38s
